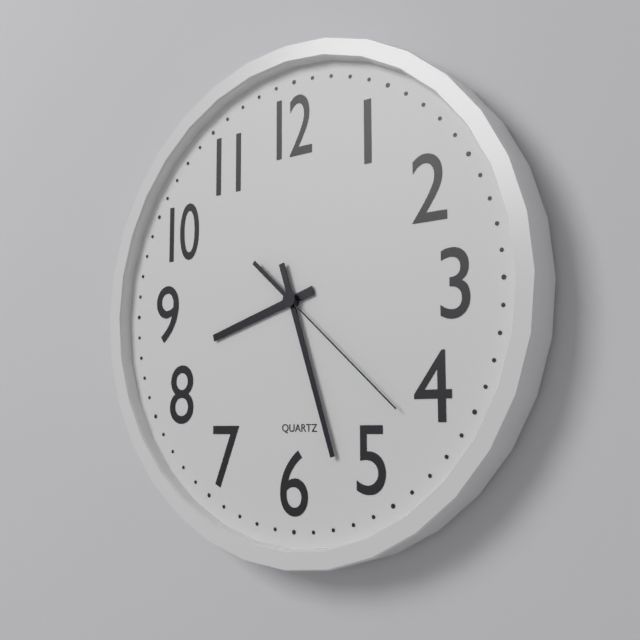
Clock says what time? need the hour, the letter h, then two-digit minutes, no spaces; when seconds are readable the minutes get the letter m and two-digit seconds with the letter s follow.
8h27m22s
